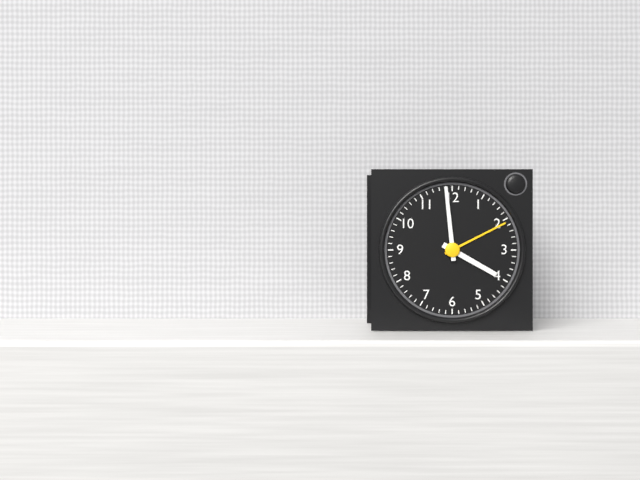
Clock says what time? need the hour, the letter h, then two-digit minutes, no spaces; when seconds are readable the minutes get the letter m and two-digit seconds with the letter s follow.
3h59
